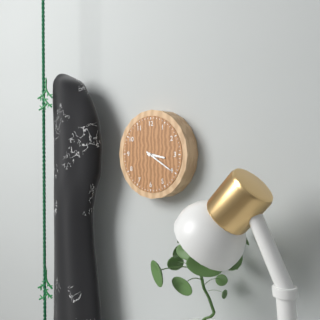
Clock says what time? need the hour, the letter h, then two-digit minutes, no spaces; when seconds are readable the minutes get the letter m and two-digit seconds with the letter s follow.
3h20
